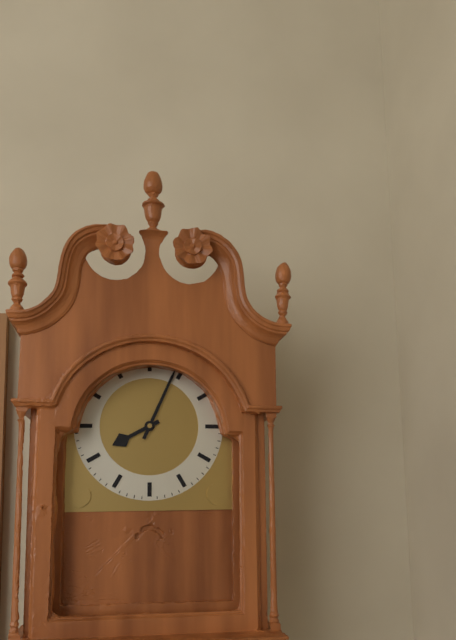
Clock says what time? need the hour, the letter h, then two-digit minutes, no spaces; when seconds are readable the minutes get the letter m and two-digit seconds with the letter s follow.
8h04
